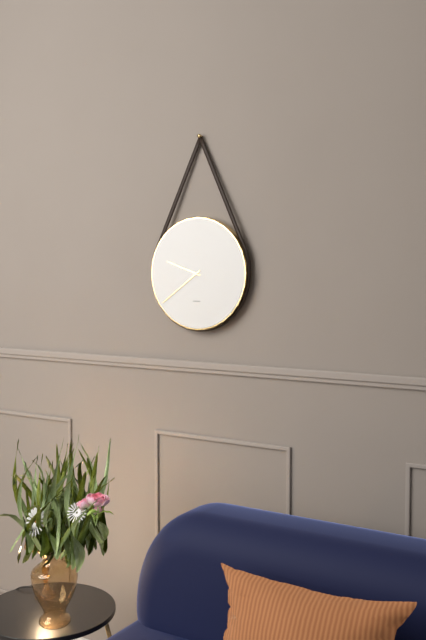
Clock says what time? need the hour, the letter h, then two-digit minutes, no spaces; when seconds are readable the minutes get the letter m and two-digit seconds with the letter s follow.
9h39
